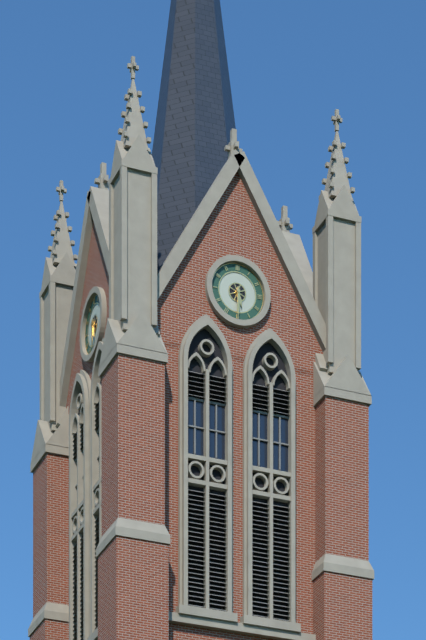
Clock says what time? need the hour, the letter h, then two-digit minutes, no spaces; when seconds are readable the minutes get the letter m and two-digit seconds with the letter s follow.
5h30
